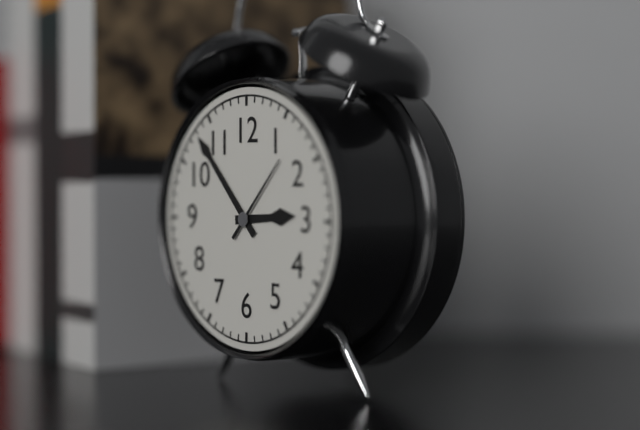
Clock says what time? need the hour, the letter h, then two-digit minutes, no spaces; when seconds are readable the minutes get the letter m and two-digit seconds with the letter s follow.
2h53m07s
